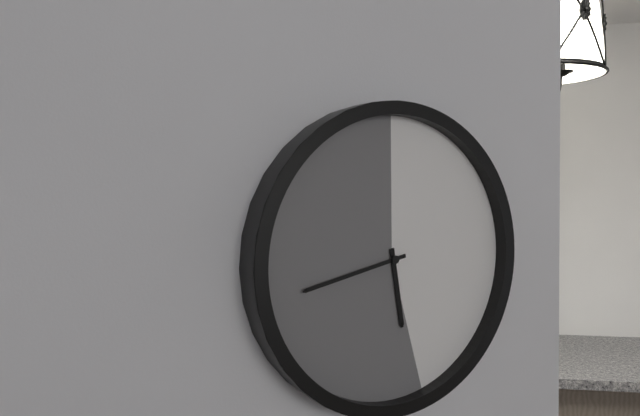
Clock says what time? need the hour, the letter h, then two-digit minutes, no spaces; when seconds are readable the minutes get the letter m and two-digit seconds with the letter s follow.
5h43
